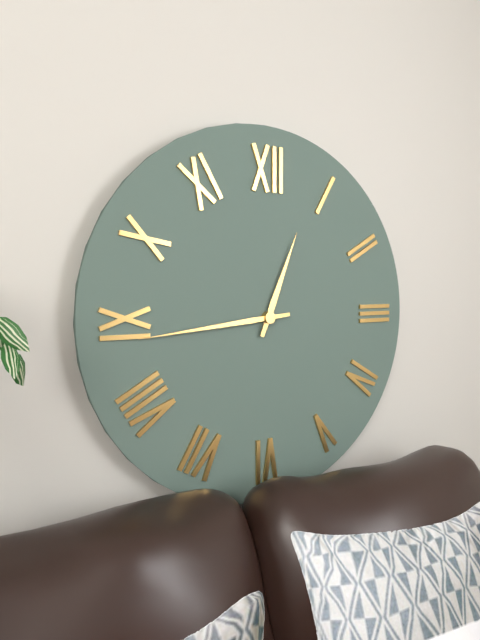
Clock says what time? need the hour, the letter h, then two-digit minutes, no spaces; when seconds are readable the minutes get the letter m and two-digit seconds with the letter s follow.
12h44
